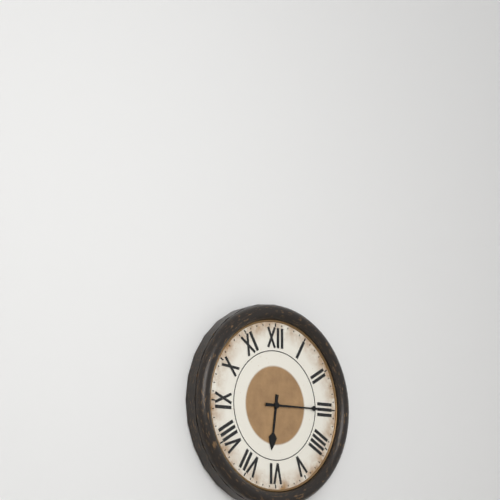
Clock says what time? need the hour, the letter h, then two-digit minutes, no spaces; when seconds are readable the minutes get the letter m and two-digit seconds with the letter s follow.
6h15
